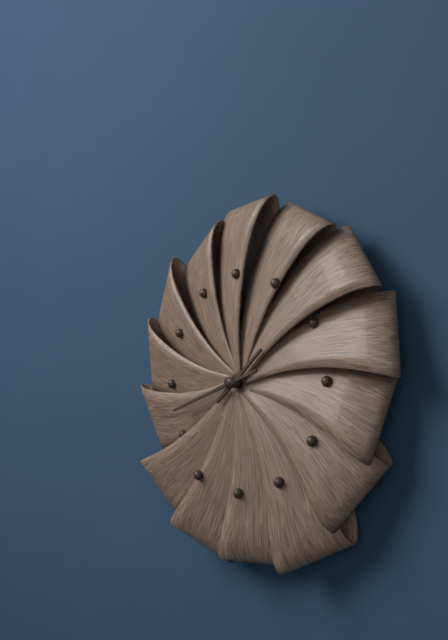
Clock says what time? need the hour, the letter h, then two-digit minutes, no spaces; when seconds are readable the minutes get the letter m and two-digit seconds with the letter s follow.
1h42
